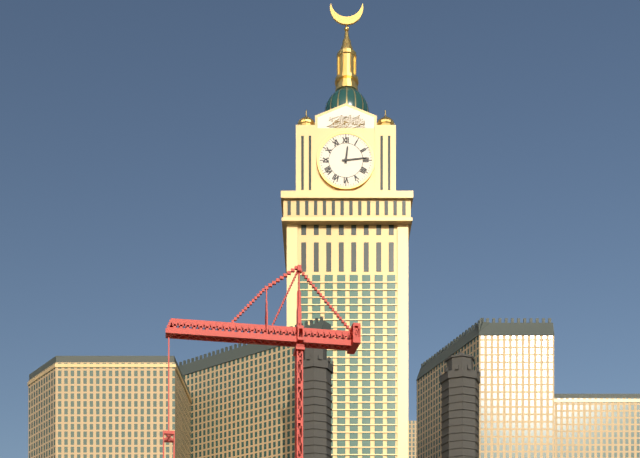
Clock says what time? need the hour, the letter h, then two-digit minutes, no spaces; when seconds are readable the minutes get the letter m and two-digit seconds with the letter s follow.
12h14
